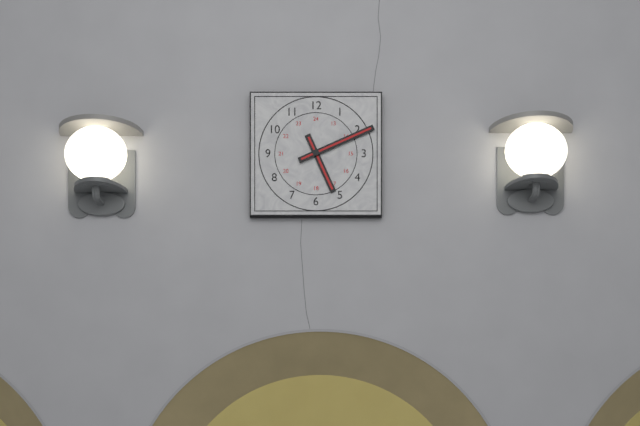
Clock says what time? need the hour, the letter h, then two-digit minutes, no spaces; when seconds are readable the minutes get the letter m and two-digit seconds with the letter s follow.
5h11
